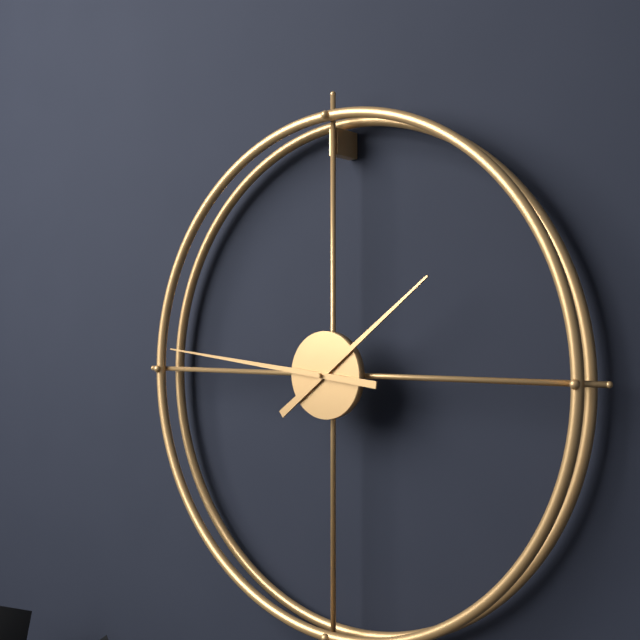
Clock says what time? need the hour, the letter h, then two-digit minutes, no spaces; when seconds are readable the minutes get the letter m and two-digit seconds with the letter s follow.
1h46
